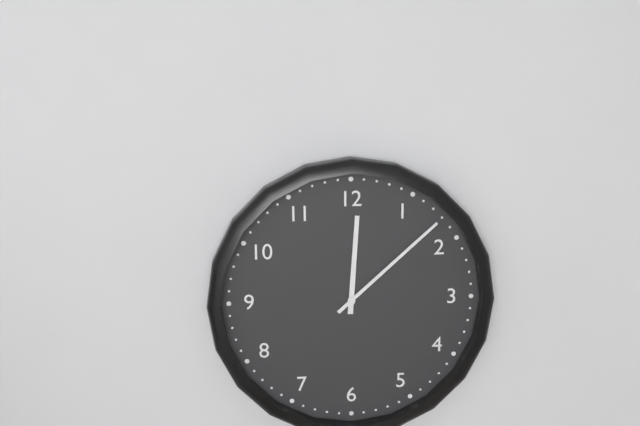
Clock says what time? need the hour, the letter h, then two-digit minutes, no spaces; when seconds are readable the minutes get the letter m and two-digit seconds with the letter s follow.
12h08
